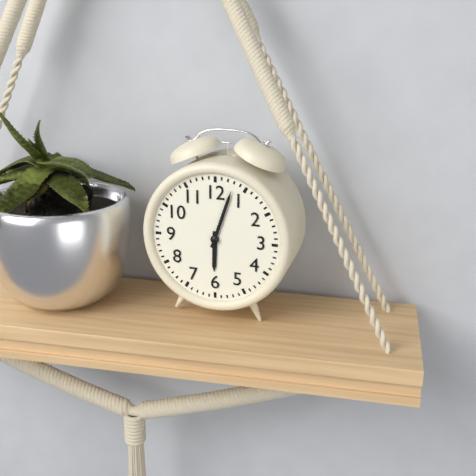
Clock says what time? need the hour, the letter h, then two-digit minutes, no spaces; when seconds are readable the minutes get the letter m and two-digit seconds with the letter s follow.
6h03
